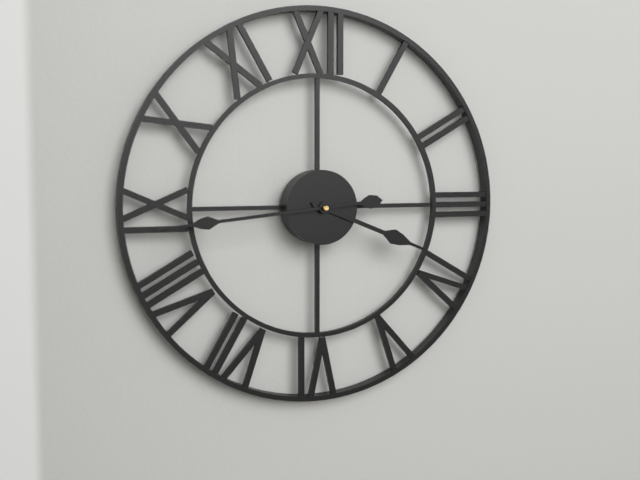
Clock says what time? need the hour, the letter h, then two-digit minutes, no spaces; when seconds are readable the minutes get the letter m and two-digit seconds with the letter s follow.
3h44
